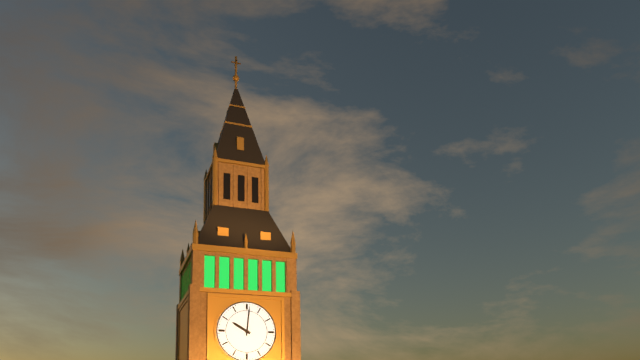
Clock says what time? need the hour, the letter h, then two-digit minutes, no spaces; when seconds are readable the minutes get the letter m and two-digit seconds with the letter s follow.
10h01
